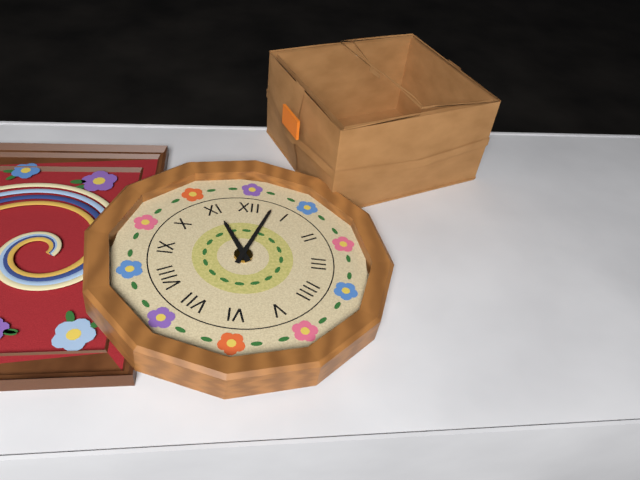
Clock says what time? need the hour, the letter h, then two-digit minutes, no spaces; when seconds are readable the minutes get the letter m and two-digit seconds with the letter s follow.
11h03
